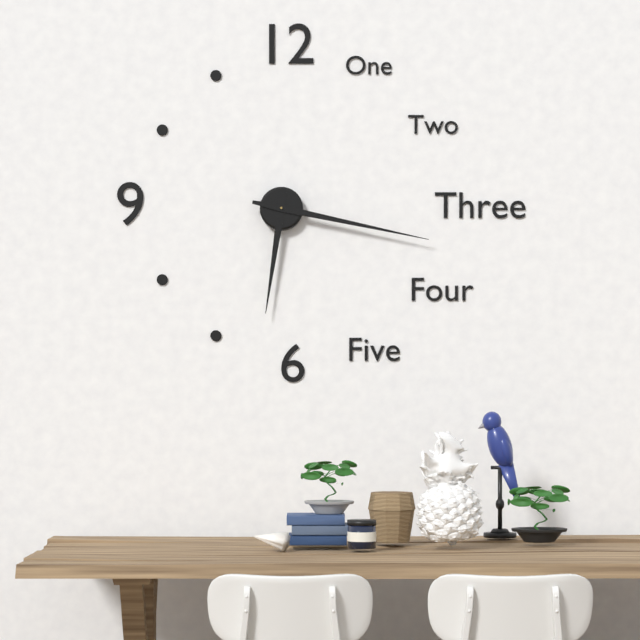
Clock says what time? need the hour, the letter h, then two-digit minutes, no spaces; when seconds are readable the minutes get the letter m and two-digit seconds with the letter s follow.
6h17
